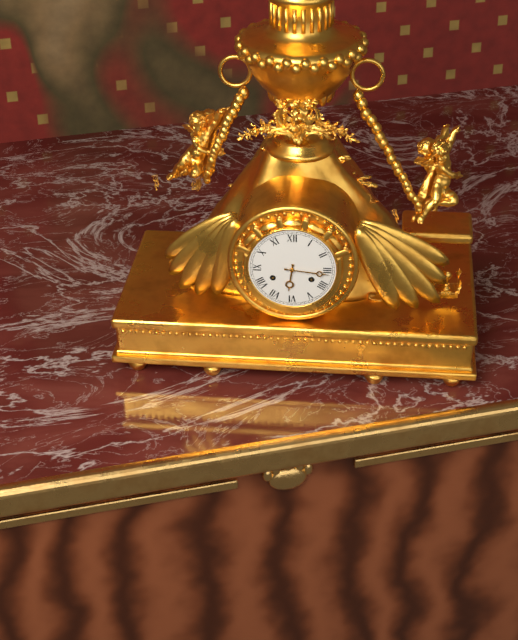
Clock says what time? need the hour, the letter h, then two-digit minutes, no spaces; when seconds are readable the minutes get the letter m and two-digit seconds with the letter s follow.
6h16
